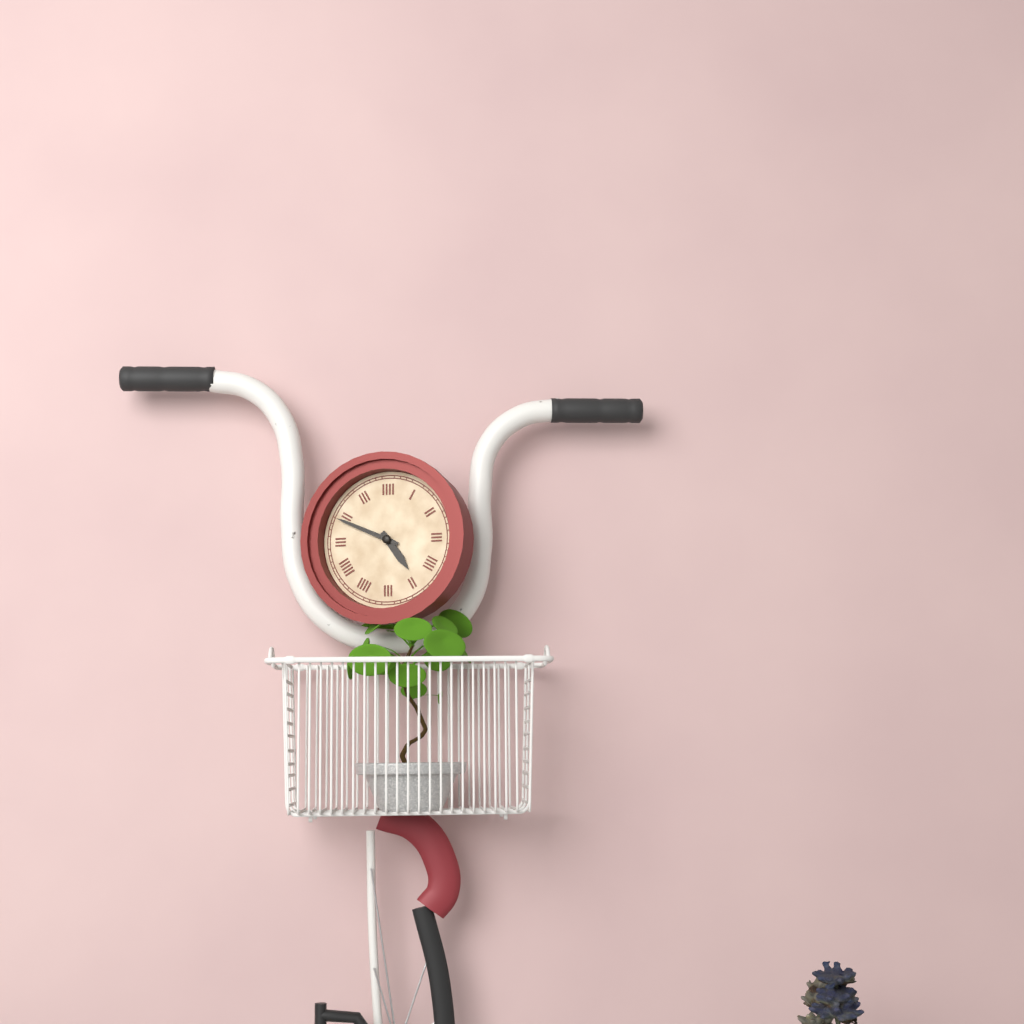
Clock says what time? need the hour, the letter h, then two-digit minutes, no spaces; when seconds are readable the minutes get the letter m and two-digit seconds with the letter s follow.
4h49
